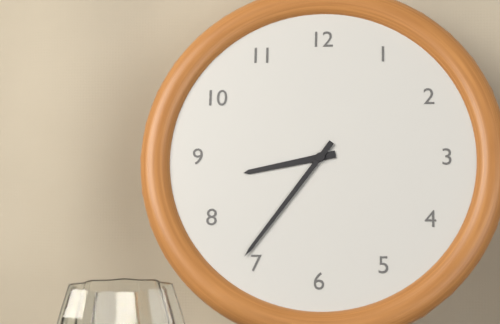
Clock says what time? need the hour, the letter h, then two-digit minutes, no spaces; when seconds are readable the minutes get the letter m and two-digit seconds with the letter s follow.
8h36
